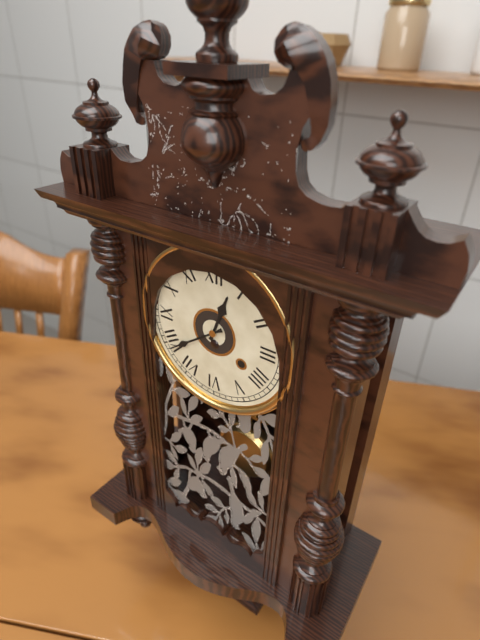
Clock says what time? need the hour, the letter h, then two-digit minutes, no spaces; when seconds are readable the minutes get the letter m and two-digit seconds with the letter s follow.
12h39
